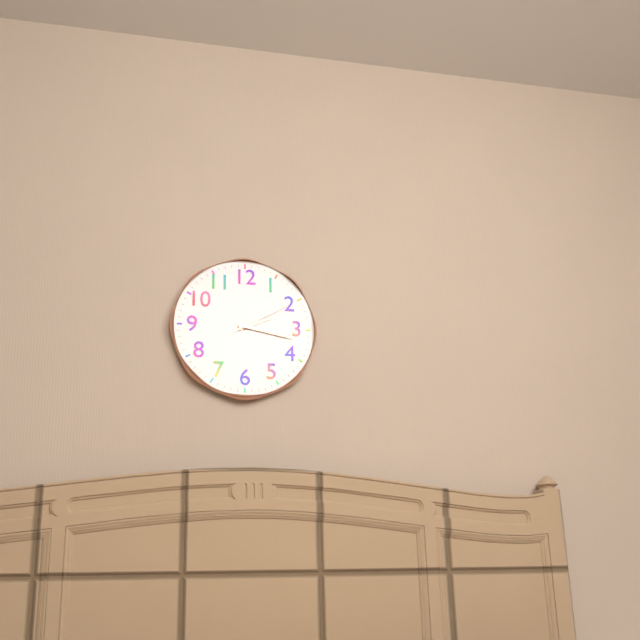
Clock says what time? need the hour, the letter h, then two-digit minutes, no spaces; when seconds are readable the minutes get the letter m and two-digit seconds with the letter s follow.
2h17m10s
